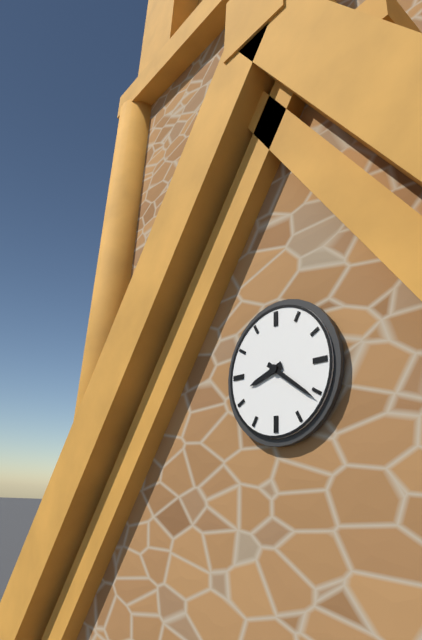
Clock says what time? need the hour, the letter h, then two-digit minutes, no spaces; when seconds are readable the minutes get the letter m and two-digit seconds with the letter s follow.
8h21
